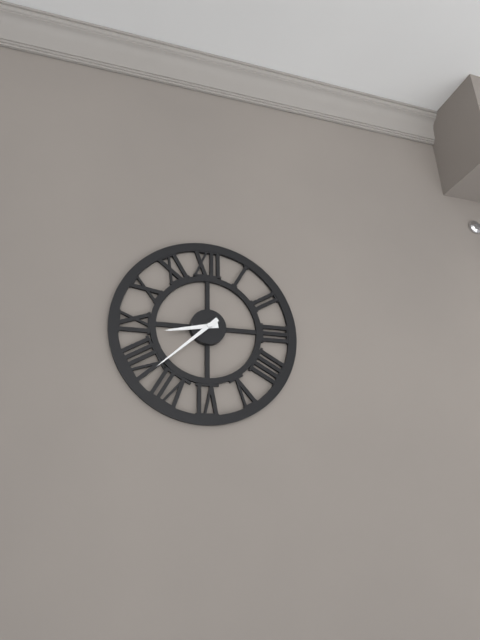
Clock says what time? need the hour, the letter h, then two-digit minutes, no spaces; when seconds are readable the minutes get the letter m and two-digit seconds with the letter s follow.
8h38
